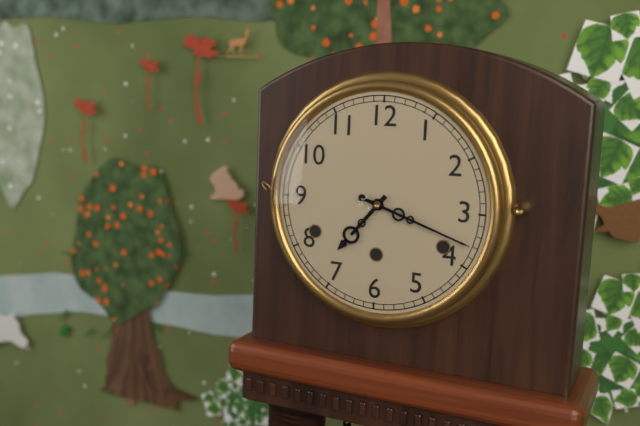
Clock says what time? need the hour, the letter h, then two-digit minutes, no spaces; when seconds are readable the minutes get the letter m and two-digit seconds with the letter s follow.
7h18
